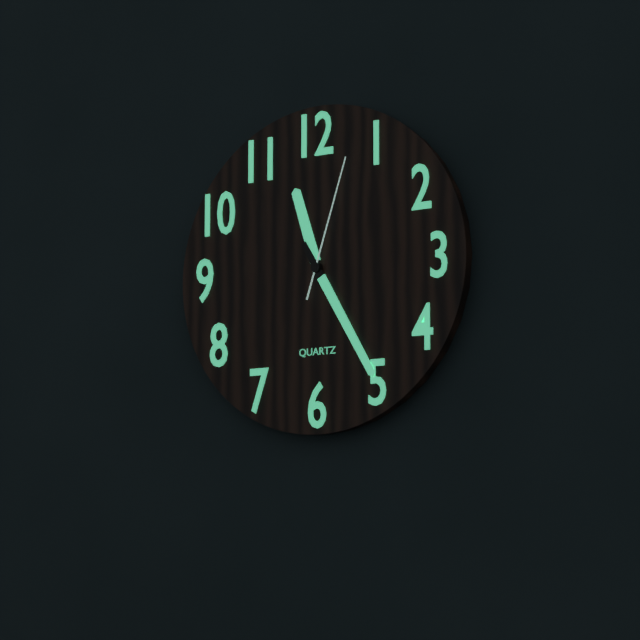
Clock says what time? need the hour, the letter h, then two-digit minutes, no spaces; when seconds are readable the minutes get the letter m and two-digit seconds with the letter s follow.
11h25m03s
